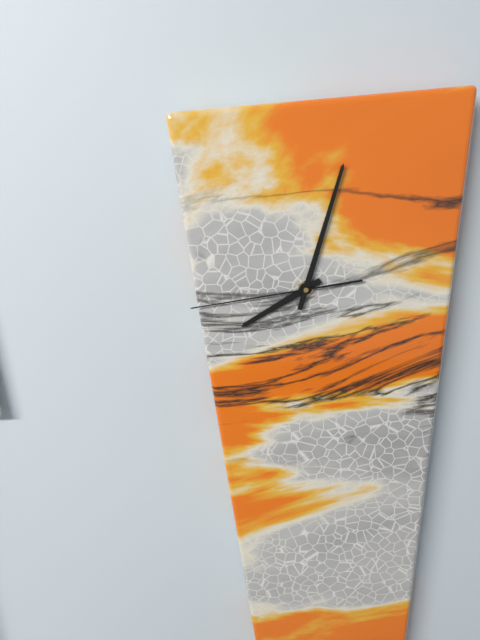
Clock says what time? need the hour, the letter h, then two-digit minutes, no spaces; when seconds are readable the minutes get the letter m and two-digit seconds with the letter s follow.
8h03m44s
